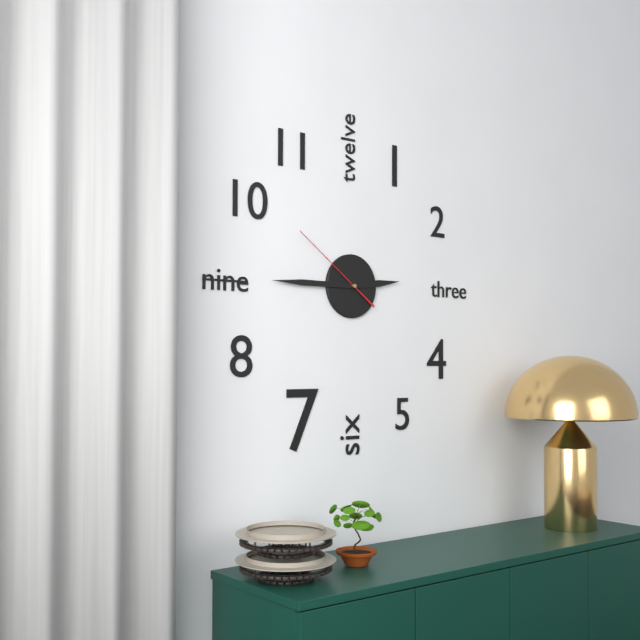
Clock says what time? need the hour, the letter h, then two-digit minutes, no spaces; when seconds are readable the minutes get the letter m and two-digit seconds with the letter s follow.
2h45m51s
